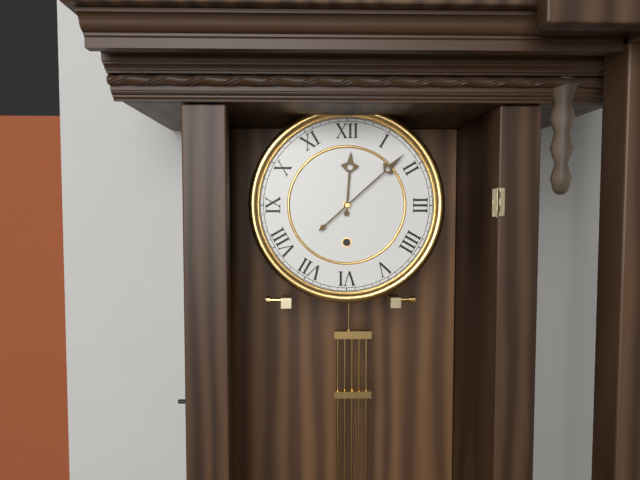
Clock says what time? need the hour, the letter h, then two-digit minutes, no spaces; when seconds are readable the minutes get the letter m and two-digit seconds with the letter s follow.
12h08
